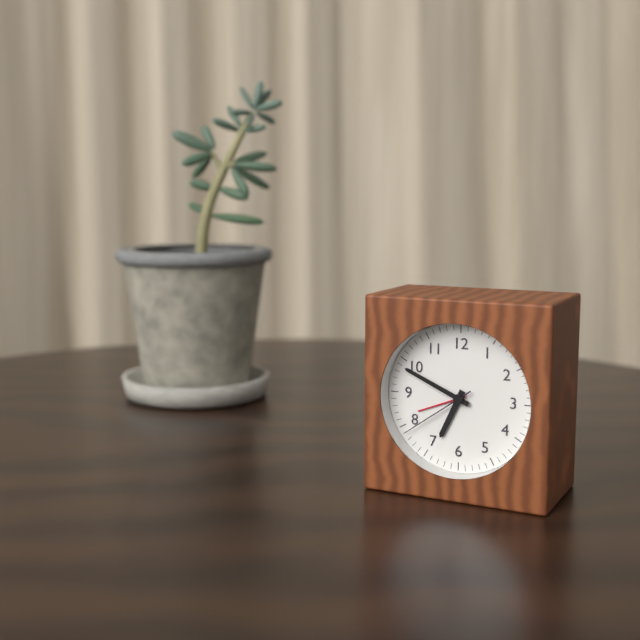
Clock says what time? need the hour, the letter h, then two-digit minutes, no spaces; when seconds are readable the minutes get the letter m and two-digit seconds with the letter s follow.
6h49m39s
